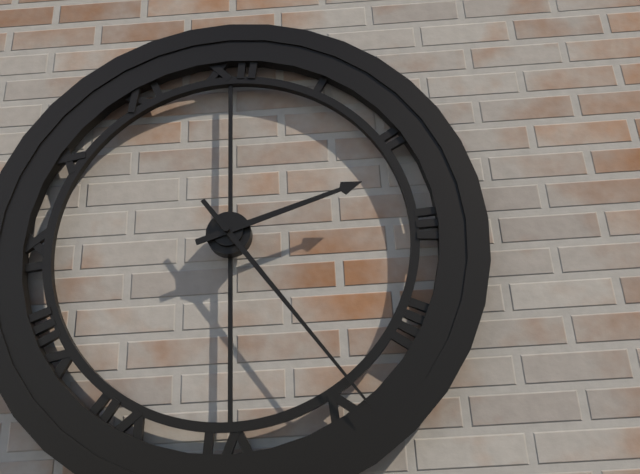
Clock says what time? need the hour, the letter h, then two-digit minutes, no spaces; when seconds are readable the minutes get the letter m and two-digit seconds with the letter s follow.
2h24
